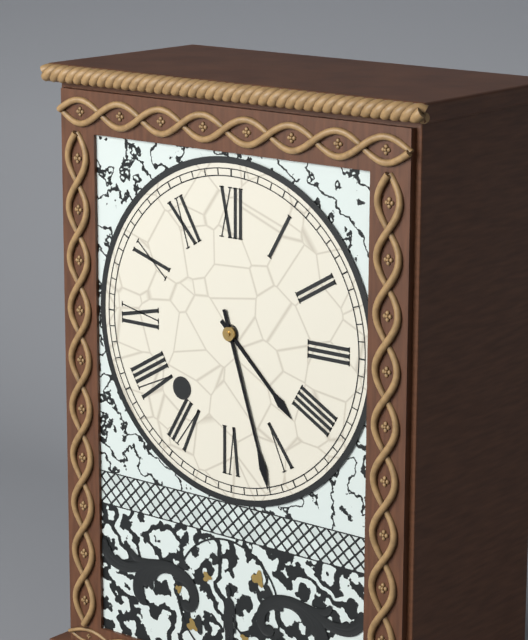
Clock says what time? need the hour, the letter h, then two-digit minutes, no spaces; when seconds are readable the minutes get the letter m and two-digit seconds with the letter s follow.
4h27
